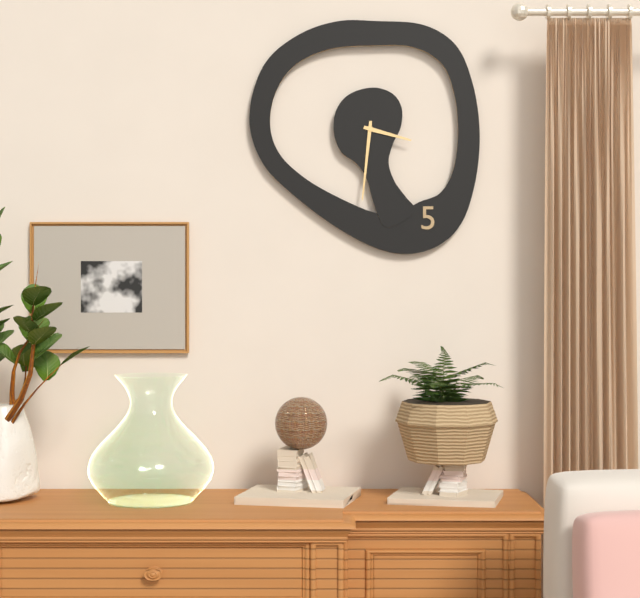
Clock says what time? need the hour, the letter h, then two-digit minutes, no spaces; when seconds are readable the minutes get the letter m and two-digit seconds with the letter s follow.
3h31
